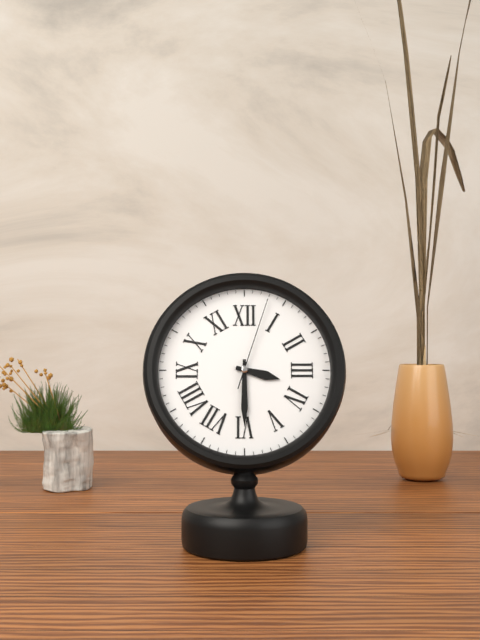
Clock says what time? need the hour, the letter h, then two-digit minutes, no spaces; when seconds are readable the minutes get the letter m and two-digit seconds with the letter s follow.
3h30m03s
